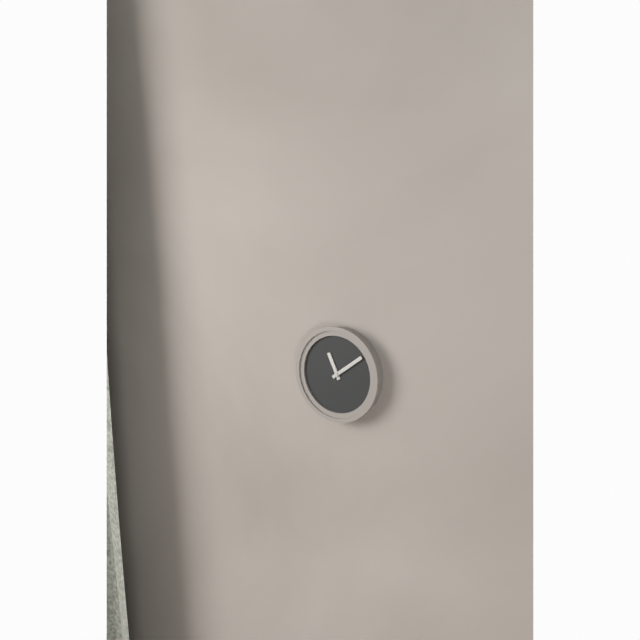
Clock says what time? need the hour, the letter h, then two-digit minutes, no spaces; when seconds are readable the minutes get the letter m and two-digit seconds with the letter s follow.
11h09
